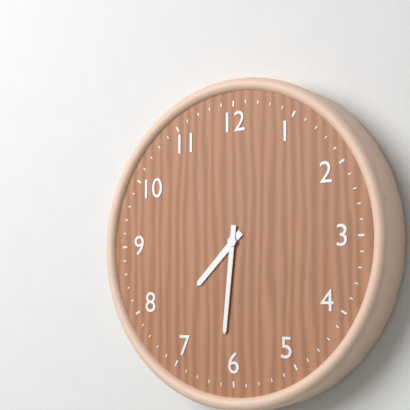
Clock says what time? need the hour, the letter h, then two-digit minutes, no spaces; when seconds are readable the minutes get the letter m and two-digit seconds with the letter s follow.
7h31
